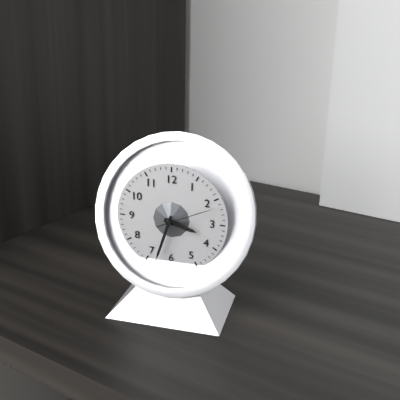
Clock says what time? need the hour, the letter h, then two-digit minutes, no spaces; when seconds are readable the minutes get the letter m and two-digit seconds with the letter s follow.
3h33m11s
